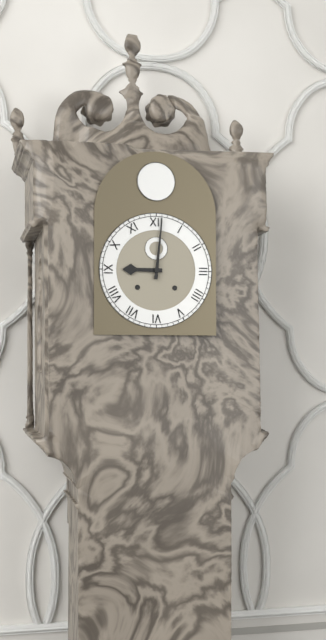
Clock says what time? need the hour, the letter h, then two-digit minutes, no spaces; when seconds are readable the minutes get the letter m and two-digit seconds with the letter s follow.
9h01
